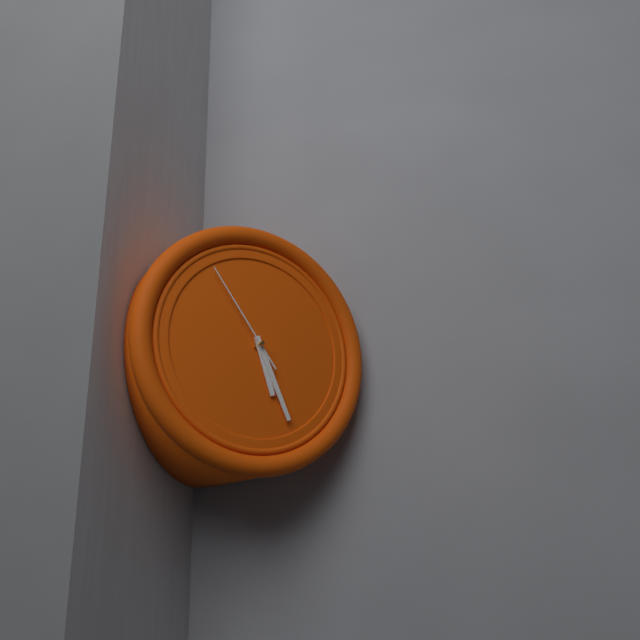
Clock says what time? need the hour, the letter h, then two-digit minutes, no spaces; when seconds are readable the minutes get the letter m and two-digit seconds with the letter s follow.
5h26m54s
